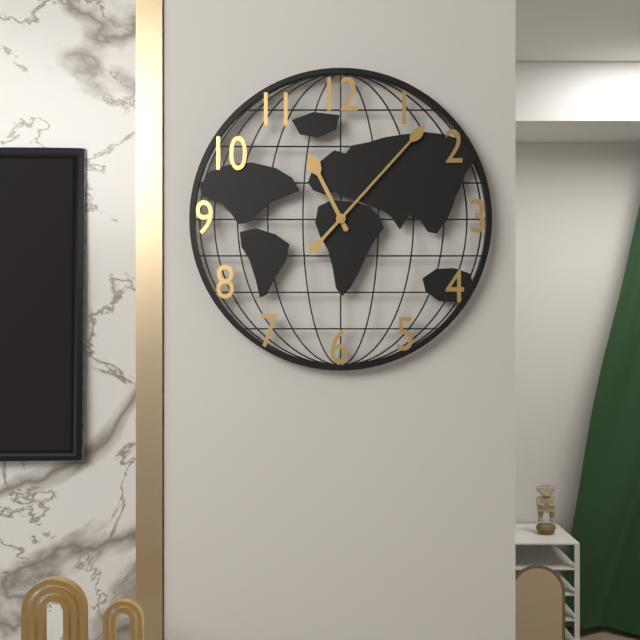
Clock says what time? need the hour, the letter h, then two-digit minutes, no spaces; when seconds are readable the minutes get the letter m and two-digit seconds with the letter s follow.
11h07
